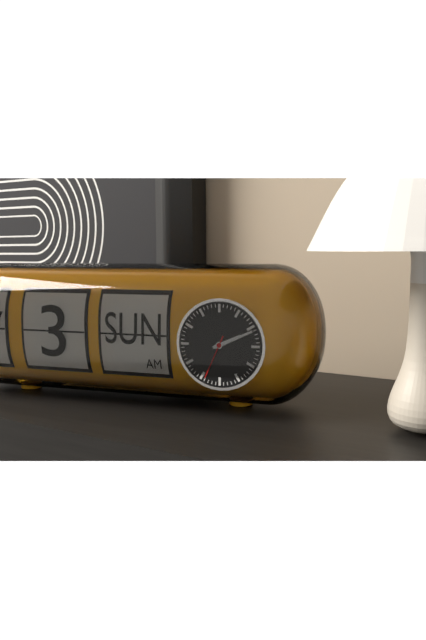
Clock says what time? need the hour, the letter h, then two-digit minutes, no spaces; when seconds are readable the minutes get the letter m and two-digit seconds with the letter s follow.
2h11m34s
